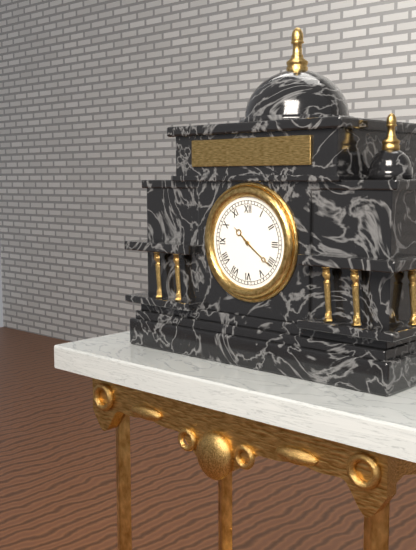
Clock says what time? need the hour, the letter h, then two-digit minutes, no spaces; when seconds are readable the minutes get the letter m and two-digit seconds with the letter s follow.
10h21
